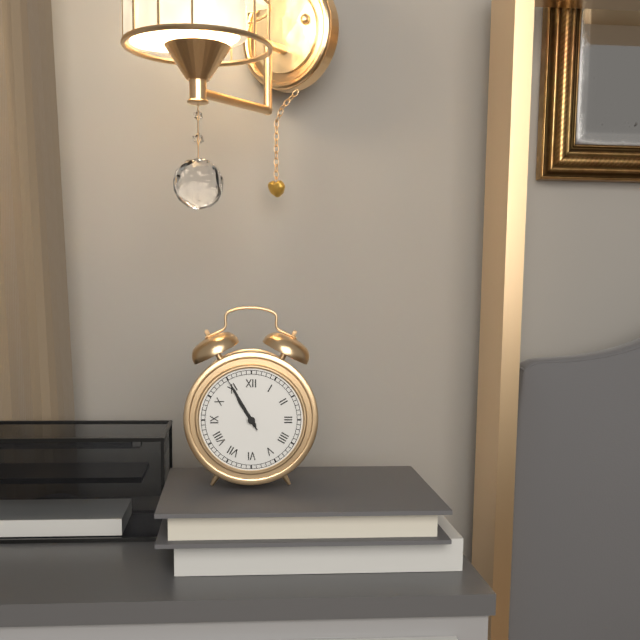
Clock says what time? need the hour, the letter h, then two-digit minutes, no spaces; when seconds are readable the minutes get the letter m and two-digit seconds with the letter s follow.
10h55m55s
